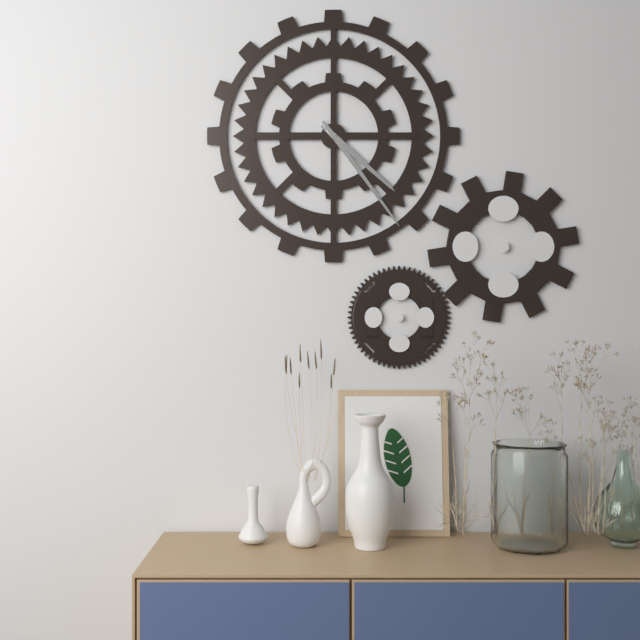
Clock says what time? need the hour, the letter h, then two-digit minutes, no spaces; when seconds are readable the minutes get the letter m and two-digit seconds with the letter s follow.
4h24
